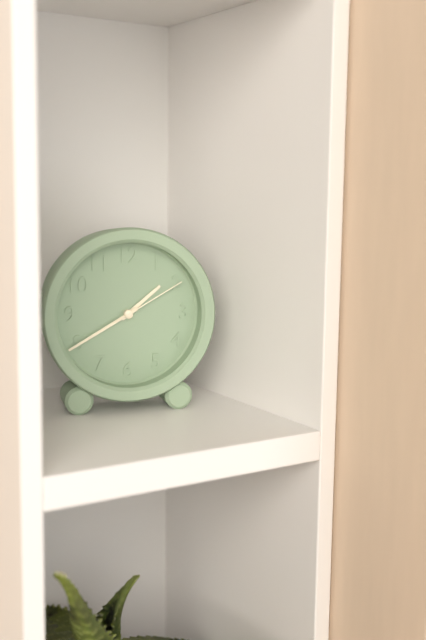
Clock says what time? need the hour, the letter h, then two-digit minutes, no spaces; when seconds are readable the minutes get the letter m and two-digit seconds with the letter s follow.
1h40m10s
